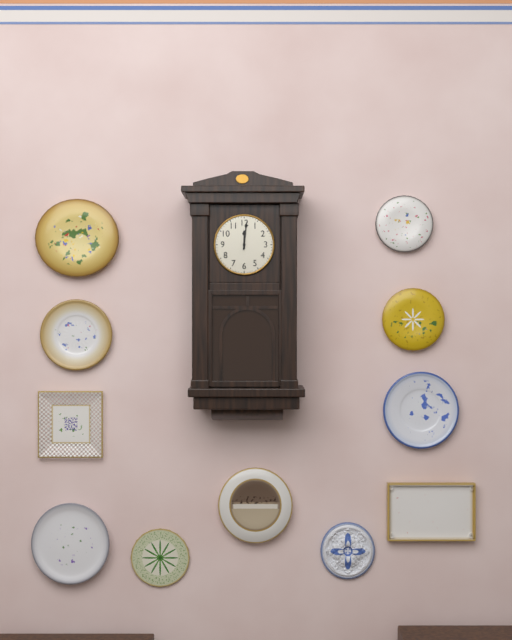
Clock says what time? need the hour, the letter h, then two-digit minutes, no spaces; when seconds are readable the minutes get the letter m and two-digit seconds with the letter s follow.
12h01
